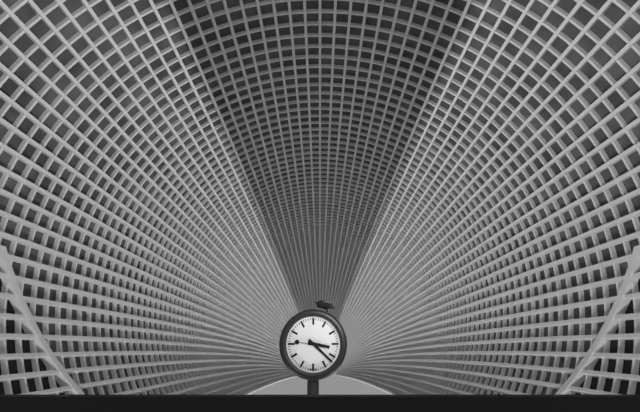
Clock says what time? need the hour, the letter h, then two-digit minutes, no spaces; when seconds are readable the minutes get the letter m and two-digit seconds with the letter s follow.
3h22
